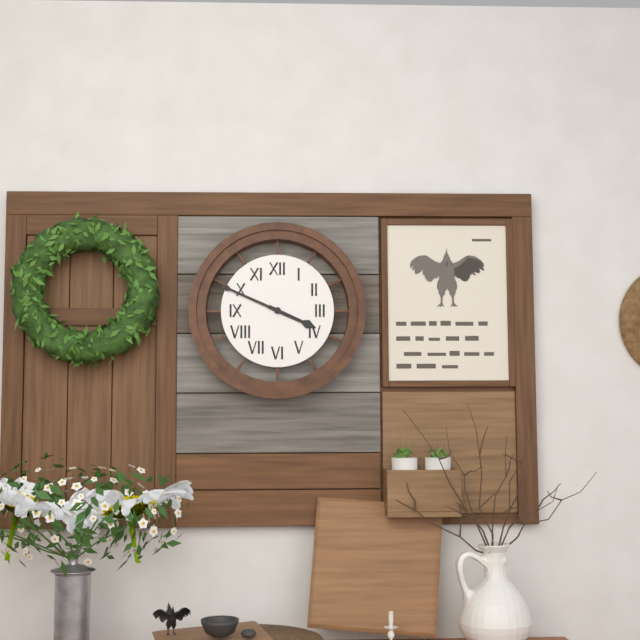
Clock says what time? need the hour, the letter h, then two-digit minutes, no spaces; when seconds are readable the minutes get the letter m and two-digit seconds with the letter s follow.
3h49
